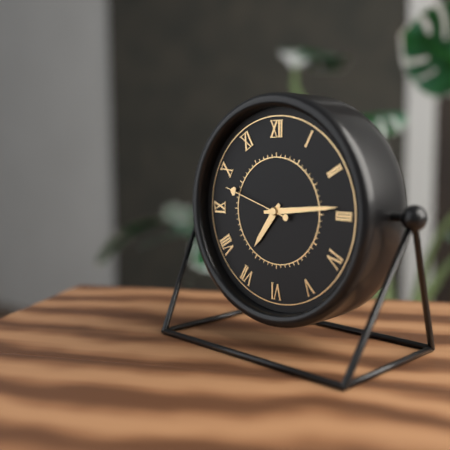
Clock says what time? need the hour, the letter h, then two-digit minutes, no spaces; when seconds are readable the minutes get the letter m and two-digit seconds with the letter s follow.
7h14m48s
